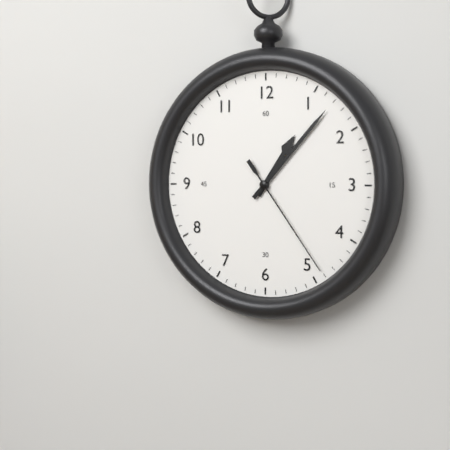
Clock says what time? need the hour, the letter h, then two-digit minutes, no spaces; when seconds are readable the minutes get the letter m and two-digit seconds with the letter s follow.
1h07m24s
